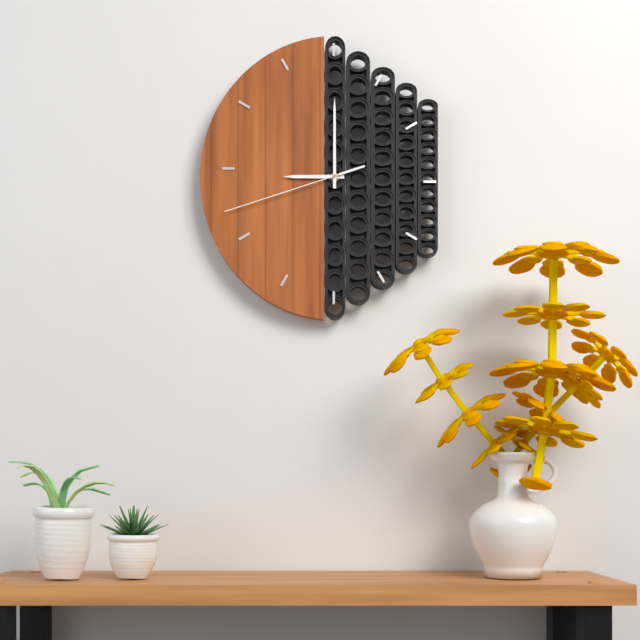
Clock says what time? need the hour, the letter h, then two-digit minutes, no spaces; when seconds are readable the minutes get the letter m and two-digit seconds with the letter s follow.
9h00m42s
